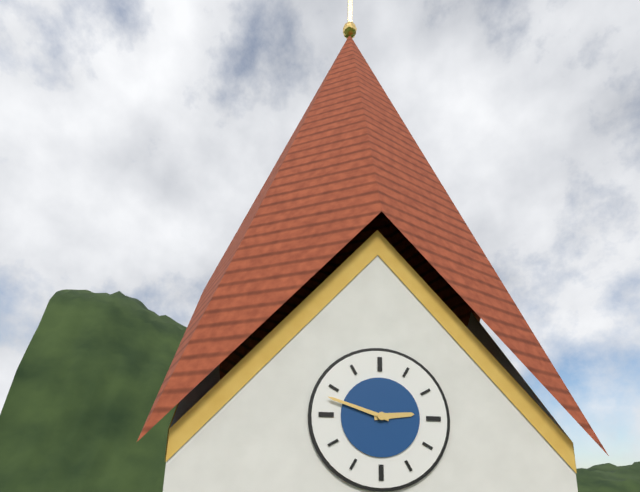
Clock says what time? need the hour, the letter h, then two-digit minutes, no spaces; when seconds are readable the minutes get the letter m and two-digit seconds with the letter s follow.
2h48
